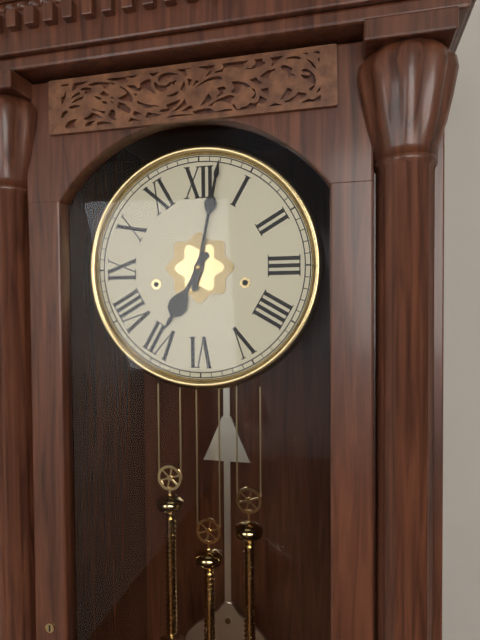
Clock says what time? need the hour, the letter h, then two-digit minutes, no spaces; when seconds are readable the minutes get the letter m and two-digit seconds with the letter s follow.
7h02
